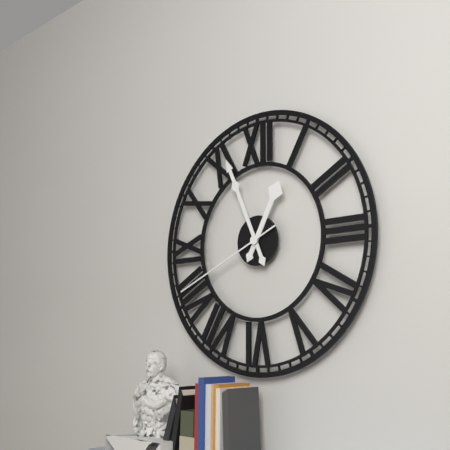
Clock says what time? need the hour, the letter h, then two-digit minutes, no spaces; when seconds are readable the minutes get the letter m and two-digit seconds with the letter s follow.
12h56m41s
